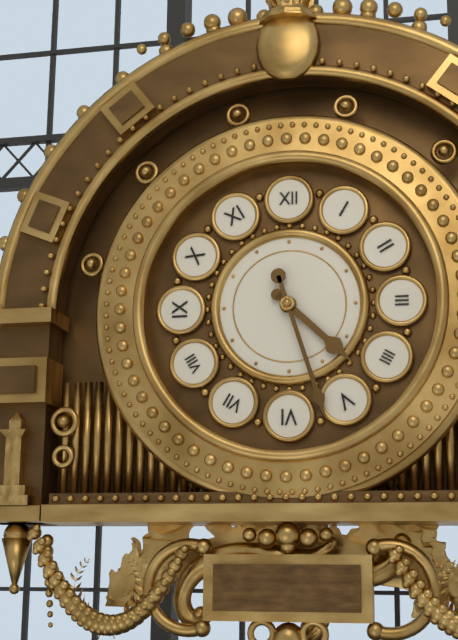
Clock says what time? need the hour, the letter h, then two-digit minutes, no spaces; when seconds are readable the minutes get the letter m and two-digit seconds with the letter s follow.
4h27
